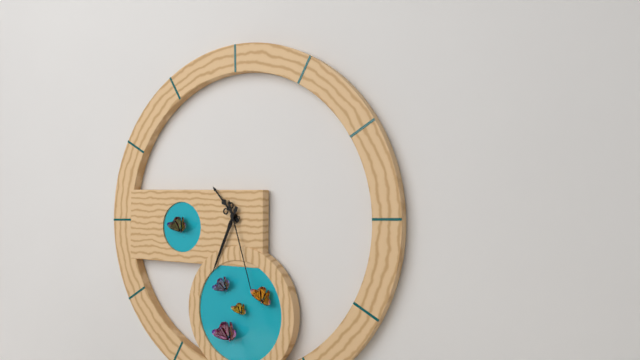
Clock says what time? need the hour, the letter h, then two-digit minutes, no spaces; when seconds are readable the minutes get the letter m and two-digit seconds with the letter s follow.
10h34m27s
